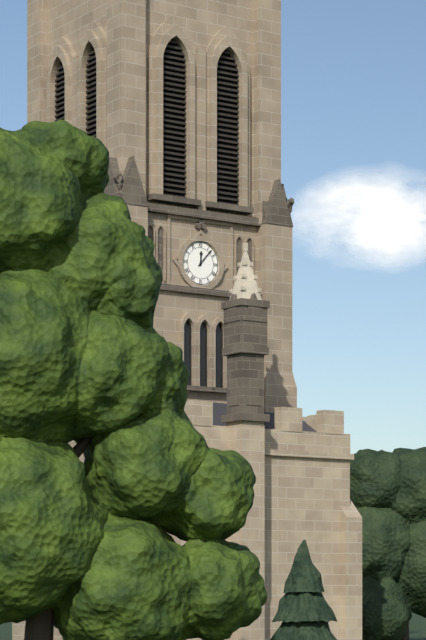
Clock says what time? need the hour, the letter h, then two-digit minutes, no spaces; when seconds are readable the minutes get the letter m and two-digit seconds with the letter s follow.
12h07
